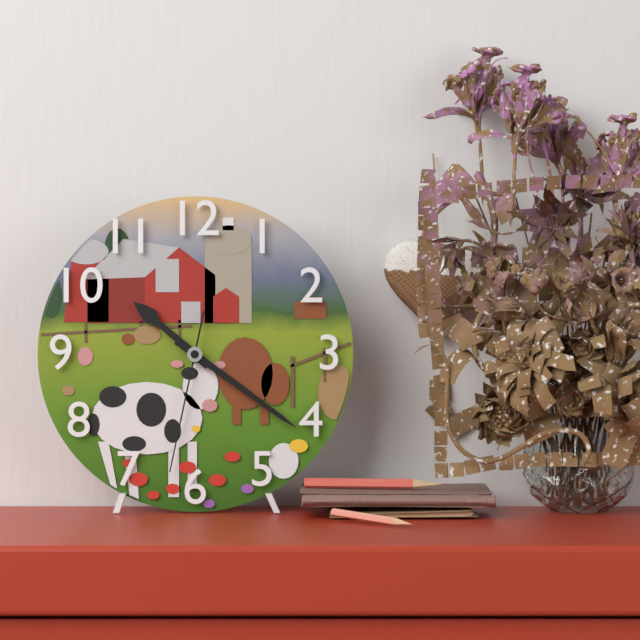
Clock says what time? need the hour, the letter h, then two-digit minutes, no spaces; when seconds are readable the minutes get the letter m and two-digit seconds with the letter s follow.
10h21m32s
